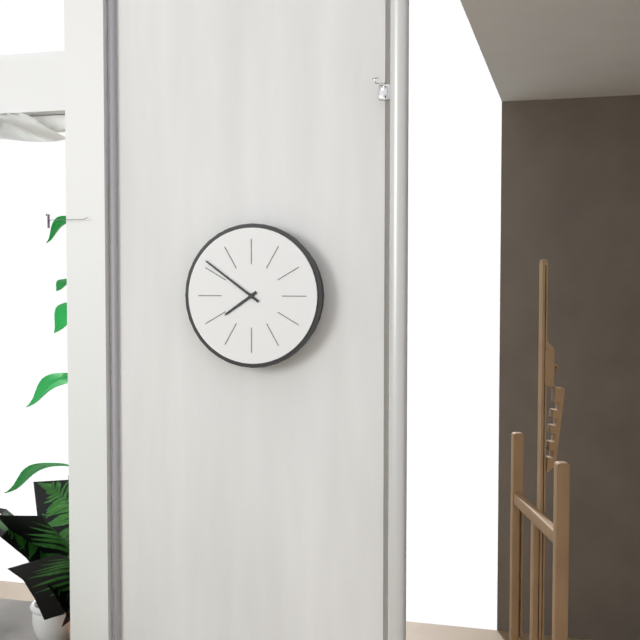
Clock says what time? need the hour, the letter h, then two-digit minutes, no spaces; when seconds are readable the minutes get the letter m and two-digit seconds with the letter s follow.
7h51
